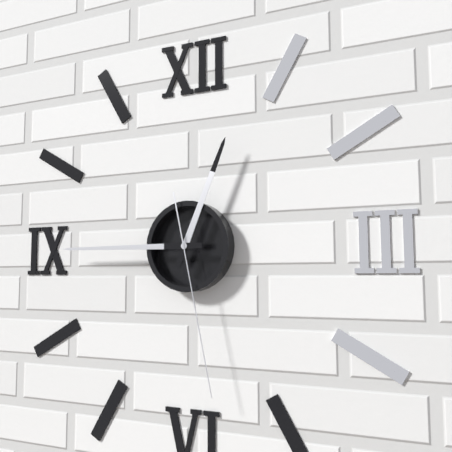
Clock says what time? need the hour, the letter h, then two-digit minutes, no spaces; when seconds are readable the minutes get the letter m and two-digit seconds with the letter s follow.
12h45m28s
